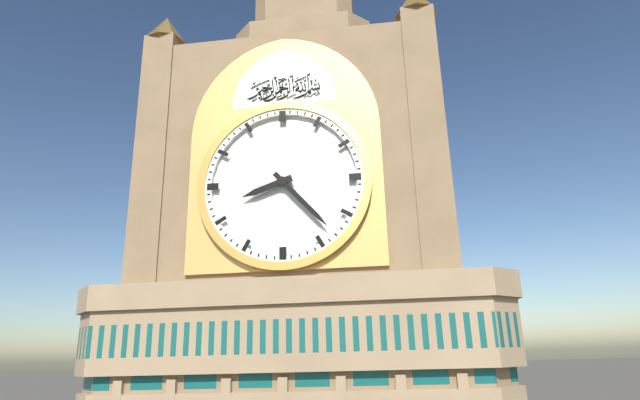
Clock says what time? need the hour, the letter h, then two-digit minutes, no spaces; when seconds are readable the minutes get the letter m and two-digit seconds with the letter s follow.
8h23
